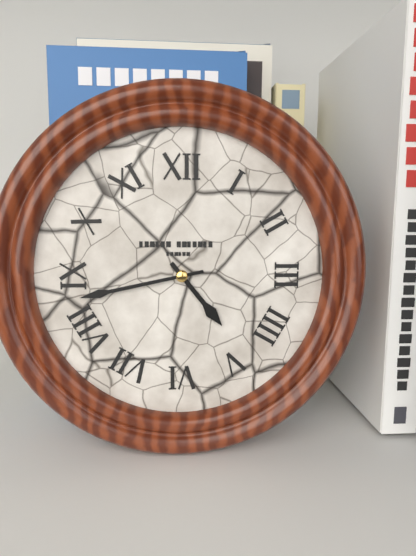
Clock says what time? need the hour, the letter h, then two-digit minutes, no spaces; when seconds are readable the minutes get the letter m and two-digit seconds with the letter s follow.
4h43
